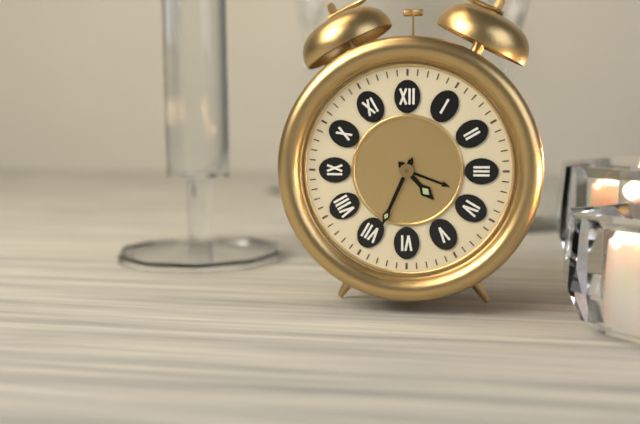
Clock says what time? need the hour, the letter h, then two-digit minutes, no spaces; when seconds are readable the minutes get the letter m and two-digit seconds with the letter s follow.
4h34
